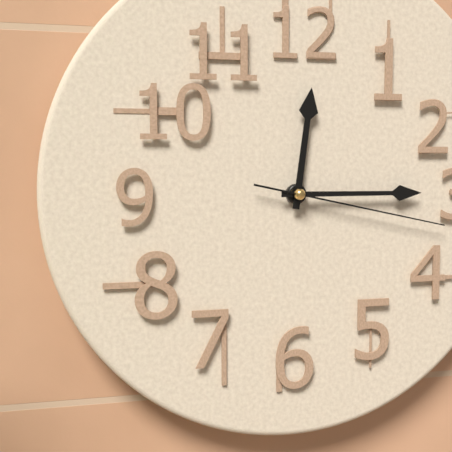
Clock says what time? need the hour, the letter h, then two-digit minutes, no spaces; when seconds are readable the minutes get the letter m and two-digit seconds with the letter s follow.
12h15m17s
